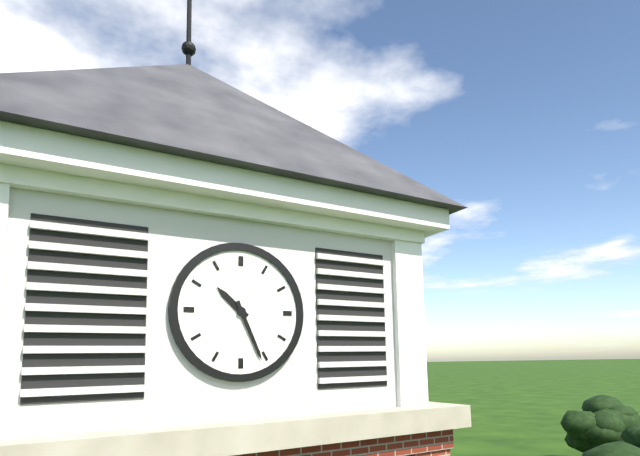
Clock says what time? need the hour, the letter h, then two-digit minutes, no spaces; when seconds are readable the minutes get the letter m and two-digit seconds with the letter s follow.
10h26
